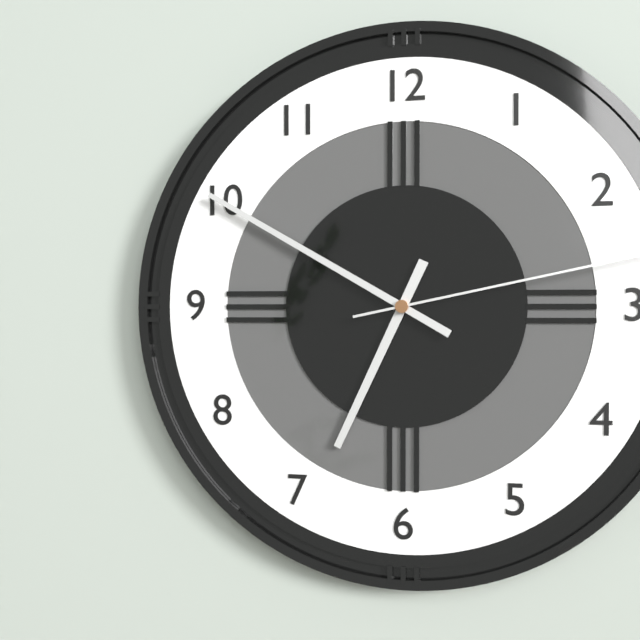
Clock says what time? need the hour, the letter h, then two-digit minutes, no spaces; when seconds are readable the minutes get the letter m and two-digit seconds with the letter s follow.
6h50
